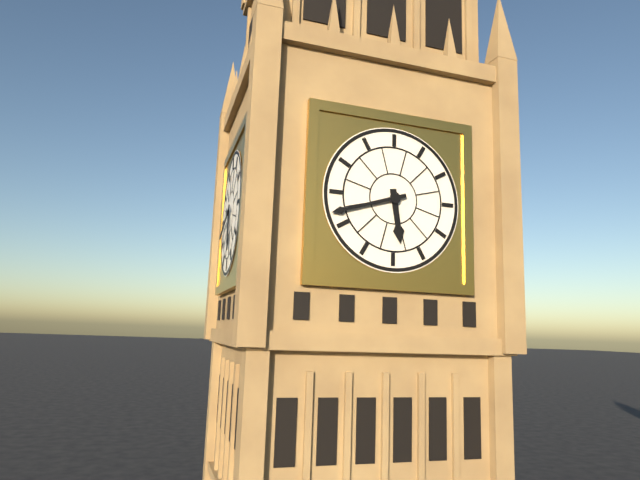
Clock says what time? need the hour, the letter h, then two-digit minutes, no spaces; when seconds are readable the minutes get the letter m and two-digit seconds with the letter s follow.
5h42
